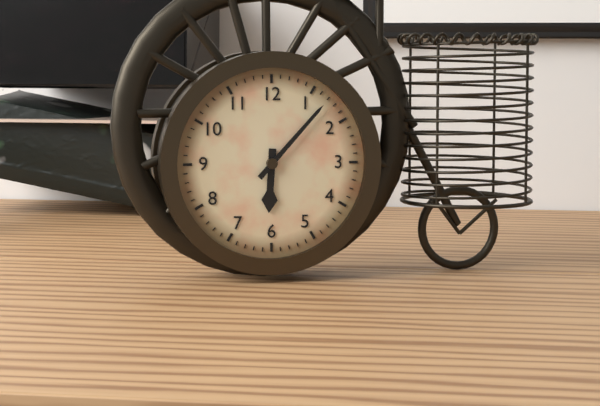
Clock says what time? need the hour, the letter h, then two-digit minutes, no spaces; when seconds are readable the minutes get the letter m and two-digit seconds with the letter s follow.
6h07
